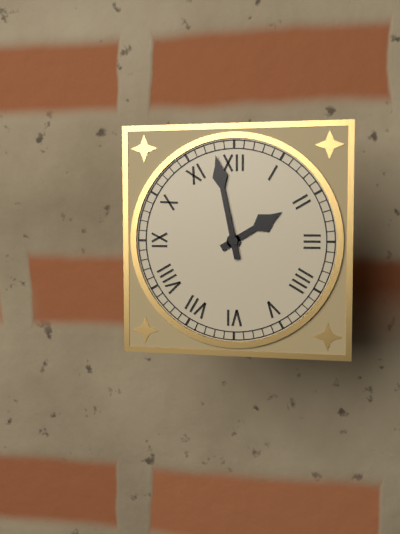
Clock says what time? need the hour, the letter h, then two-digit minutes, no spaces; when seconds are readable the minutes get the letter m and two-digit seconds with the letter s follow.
1h58
